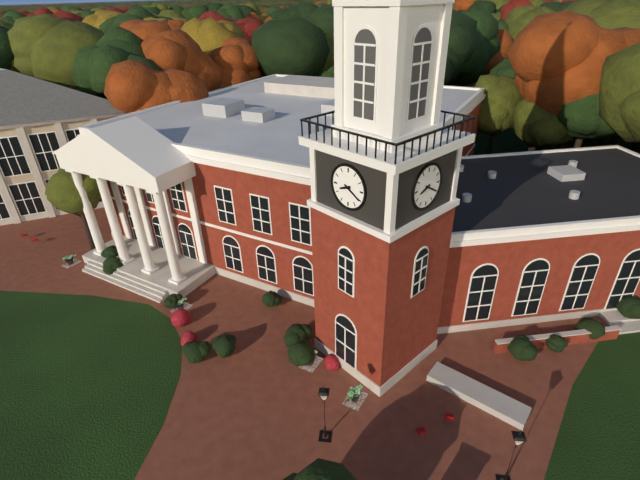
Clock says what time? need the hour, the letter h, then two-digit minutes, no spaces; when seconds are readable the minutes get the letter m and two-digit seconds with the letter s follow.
8h20
